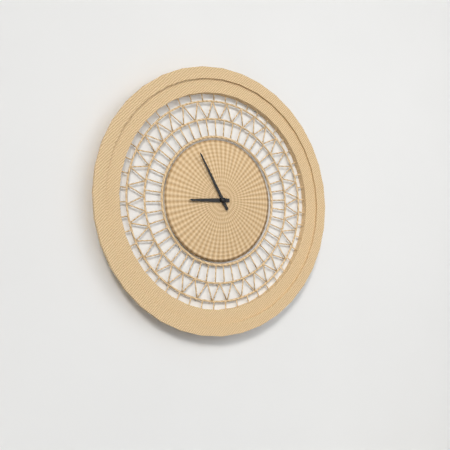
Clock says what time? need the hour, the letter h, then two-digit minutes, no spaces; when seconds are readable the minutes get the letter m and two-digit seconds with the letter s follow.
8h55
